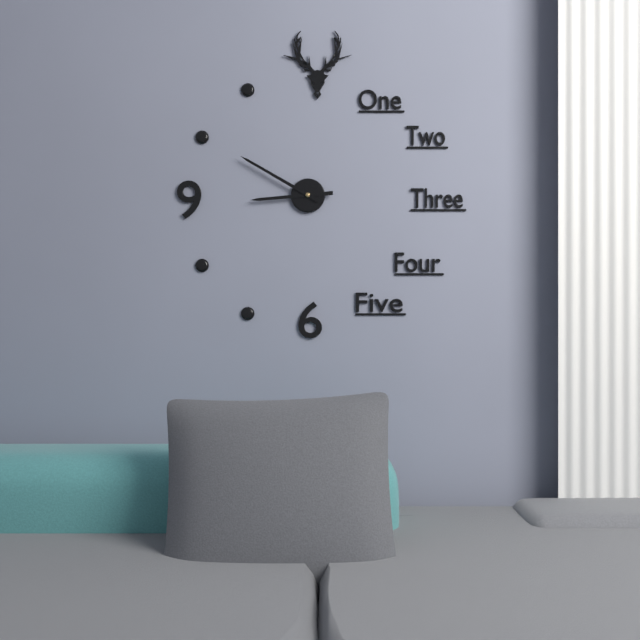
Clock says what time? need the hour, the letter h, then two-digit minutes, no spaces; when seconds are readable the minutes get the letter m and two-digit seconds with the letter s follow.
8h50
